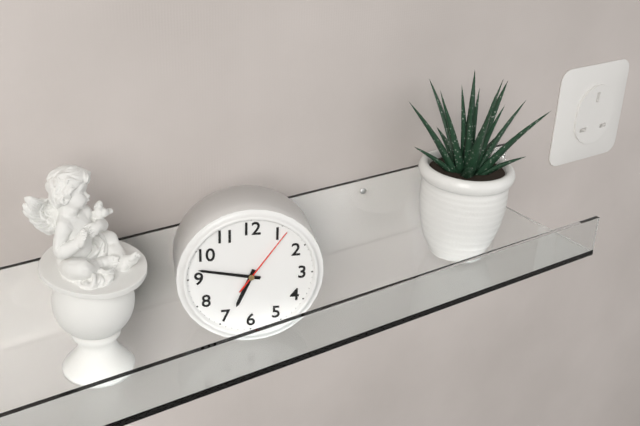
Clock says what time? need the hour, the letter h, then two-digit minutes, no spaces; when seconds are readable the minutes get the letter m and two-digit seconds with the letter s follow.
6h47m06s
